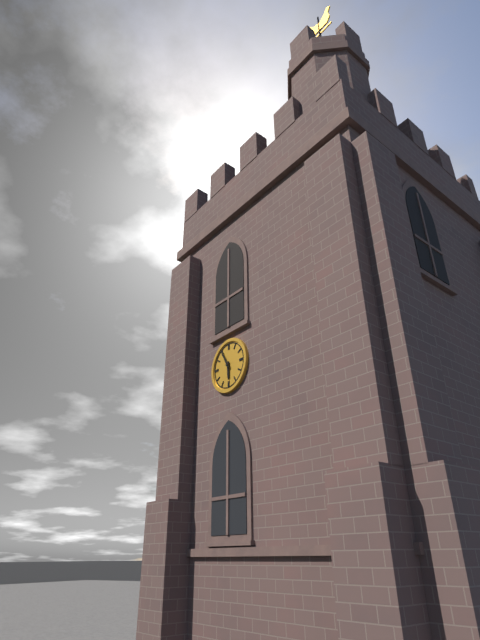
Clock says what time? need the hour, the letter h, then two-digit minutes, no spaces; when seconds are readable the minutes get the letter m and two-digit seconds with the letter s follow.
5h55
